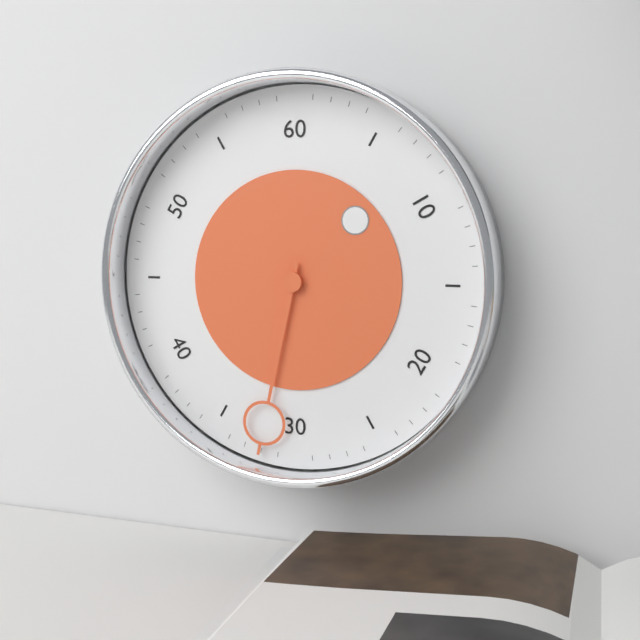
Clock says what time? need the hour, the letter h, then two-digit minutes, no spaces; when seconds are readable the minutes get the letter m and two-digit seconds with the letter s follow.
1h32
